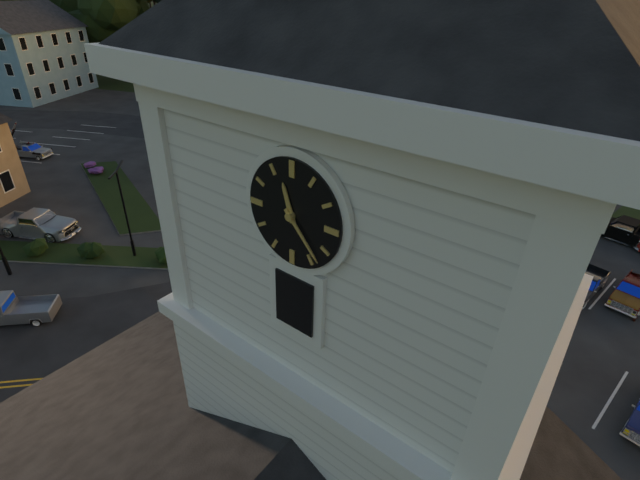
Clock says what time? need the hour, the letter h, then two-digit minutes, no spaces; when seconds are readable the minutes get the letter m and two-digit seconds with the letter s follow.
11h23
